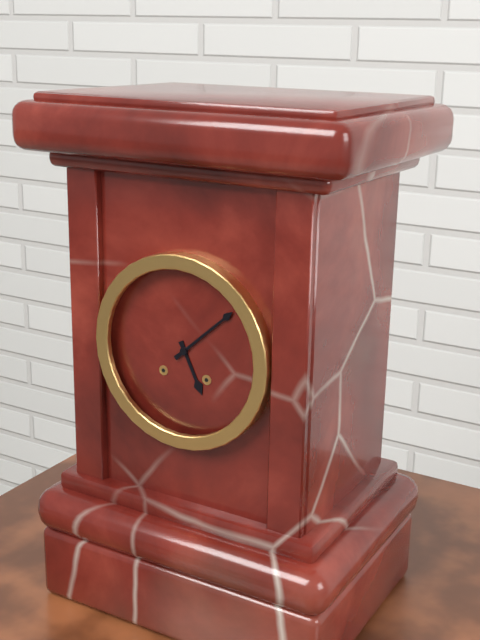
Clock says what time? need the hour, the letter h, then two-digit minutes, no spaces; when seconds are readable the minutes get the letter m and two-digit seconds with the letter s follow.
5h08
